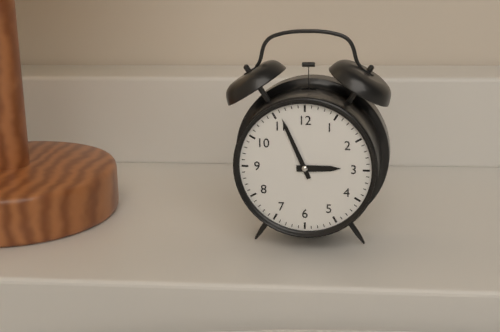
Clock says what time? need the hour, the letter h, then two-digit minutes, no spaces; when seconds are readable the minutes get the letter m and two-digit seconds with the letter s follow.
2h56
